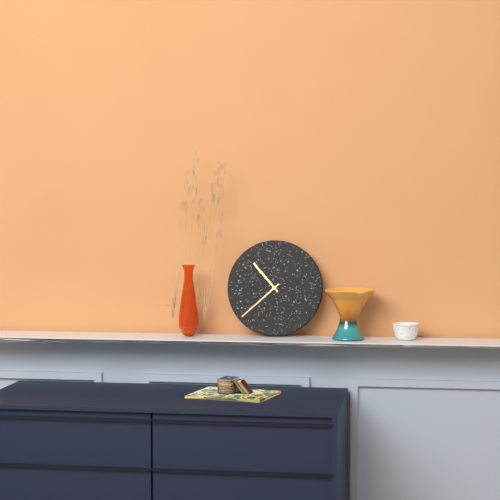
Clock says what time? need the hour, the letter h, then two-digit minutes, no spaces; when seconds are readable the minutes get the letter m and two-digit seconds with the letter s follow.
10h38
